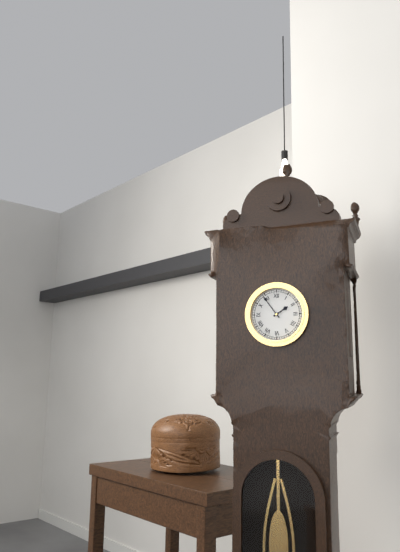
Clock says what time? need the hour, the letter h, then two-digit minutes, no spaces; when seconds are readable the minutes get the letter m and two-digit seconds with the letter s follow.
1h54
